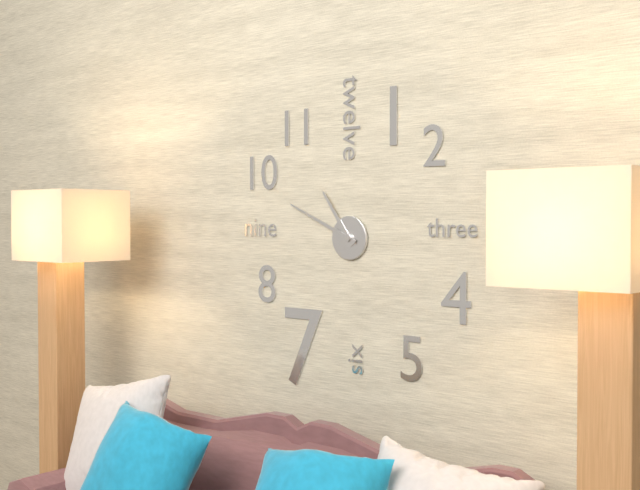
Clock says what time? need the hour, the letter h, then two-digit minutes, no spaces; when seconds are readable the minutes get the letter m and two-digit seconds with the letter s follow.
10h49
